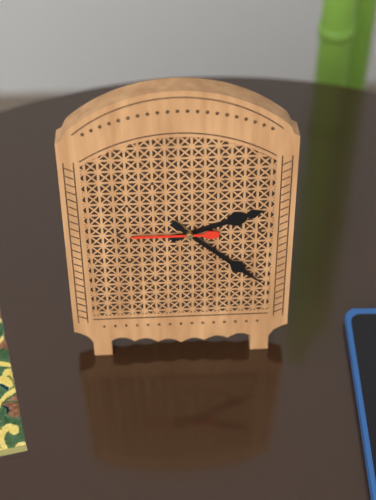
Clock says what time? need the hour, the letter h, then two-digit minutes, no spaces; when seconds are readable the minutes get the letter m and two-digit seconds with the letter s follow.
2h22m45s
